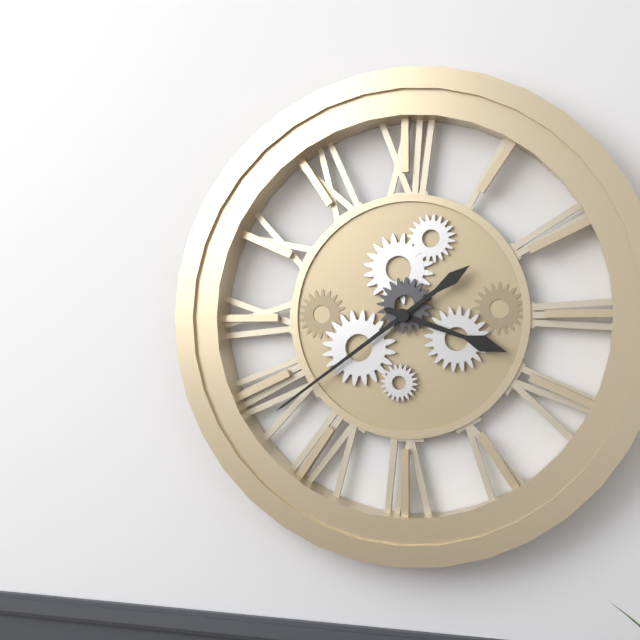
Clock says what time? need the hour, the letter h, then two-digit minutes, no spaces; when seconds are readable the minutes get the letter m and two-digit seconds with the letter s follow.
3h39
